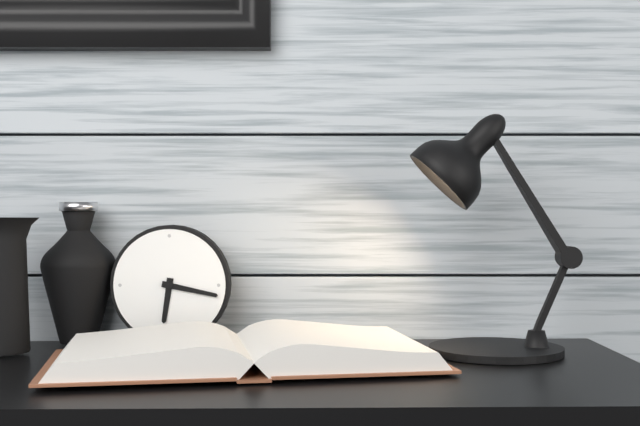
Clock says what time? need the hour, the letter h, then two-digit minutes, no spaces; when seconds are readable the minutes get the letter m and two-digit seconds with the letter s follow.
6h17
